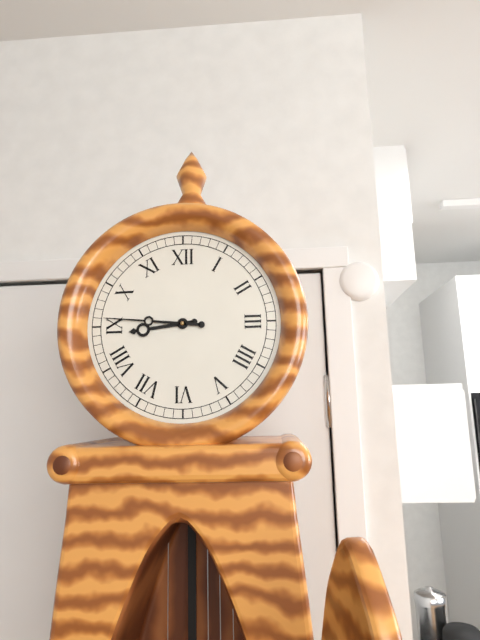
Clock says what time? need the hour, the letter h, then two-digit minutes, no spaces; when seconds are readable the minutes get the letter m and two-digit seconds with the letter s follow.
8h46
